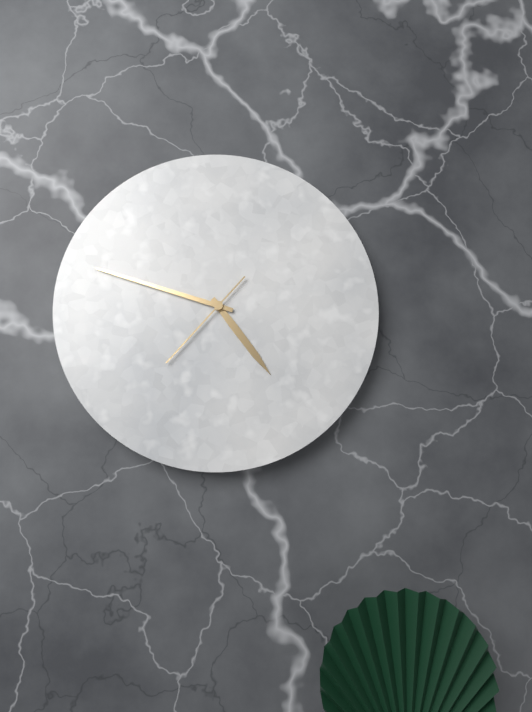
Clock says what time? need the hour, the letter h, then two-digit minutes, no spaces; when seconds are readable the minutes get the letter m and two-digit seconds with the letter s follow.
4h48m37s
